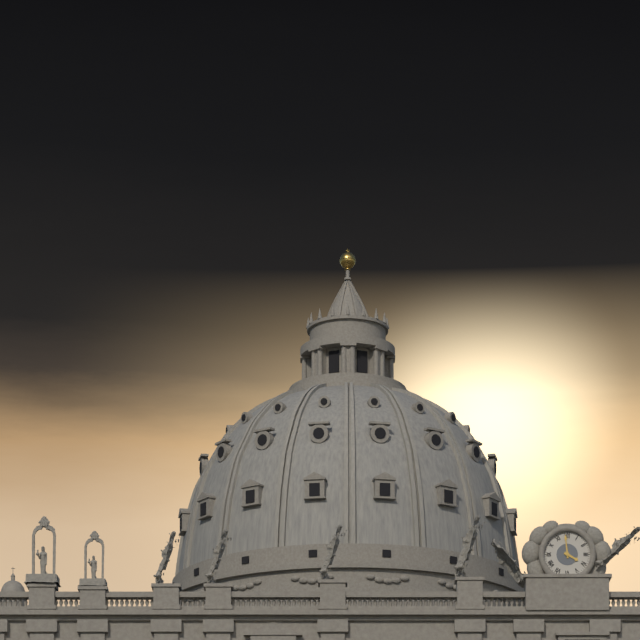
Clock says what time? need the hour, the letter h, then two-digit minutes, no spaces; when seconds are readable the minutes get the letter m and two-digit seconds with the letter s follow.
3h59
